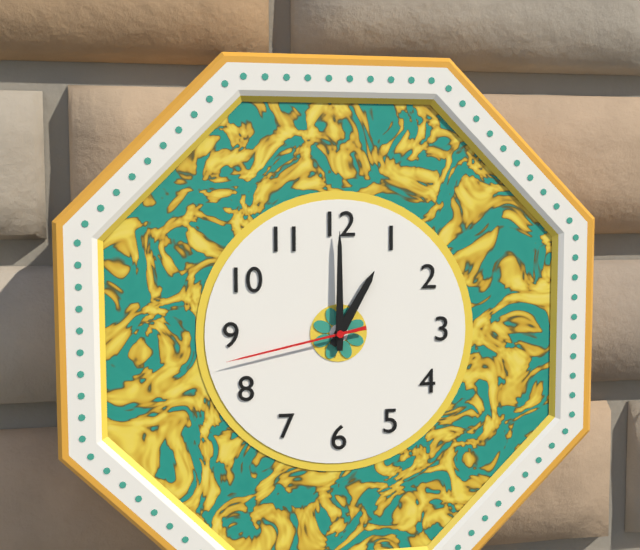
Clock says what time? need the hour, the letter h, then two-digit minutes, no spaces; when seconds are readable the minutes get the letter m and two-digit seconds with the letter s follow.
1h00m43s
